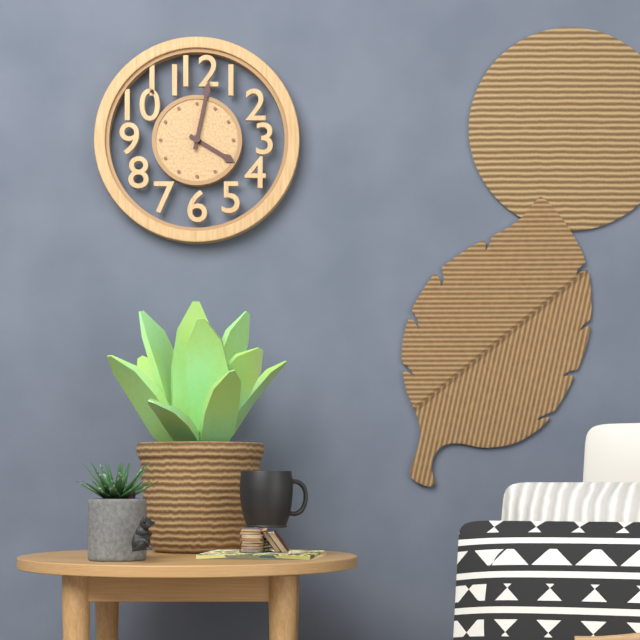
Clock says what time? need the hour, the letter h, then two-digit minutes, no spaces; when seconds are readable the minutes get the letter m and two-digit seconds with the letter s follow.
4h02
